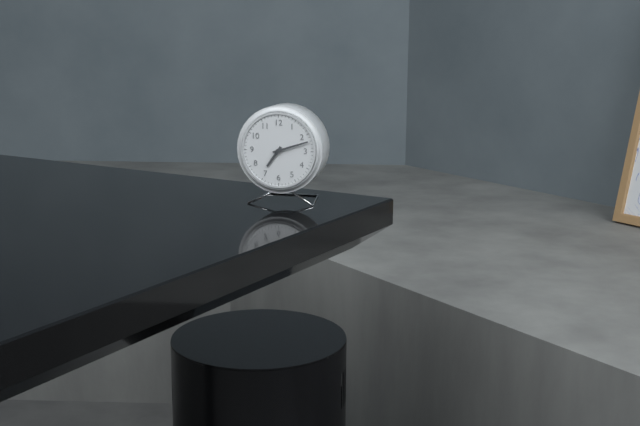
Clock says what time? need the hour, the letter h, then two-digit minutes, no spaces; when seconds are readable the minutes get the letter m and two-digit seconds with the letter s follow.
7h12
